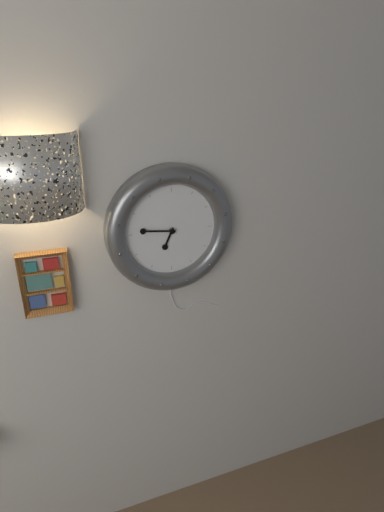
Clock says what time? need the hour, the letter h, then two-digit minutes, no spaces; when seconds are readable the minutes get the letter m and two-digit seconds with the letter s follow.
6h46
